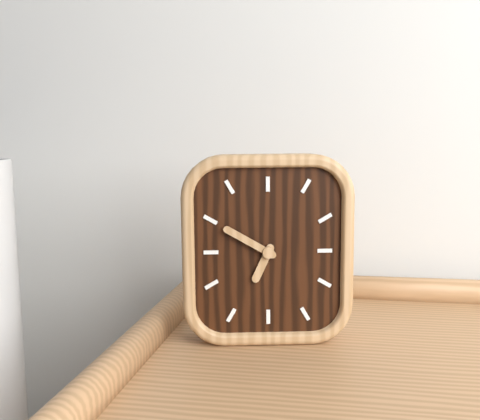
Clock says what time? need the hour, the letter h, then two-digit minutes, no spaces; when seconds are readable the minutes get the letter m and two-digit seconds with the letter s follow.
6h50
